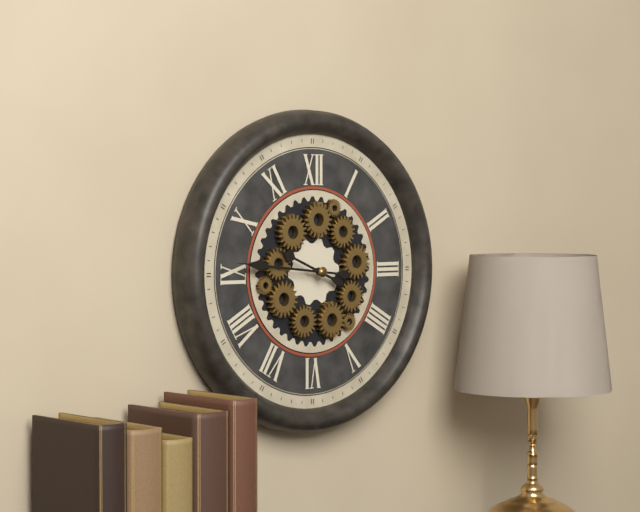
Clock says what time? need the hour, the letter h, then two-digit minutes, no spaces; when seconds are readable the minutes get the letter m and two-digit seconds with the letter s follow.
9h46
